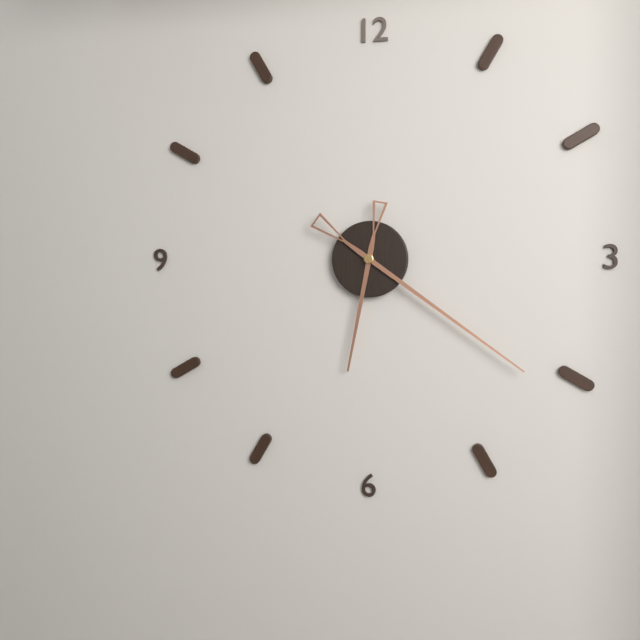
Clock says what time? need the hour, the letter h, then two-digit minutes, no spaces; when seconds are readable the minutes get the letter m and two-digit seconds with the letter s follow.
6h21
